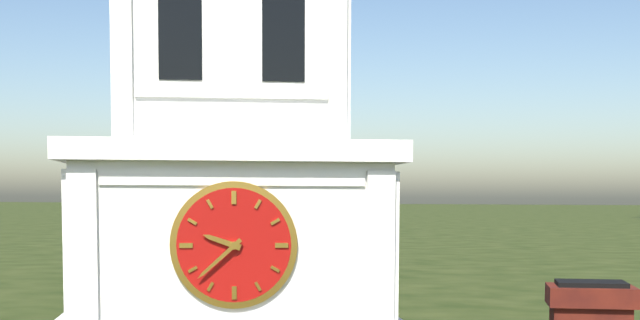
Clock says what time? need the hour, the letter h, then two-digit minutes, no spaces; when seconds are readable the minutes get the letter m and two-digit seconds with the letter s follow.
9h38
